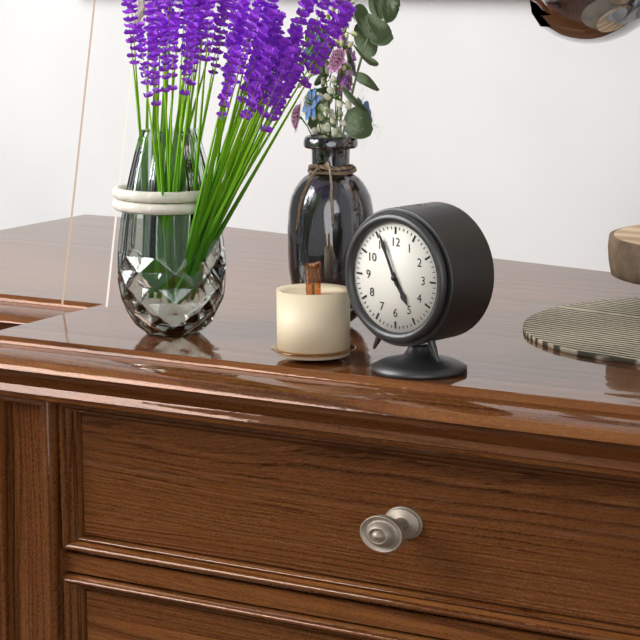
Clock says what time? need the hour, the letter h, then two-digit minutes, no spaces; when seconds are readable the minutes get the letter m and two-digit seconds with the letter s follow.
4h56
